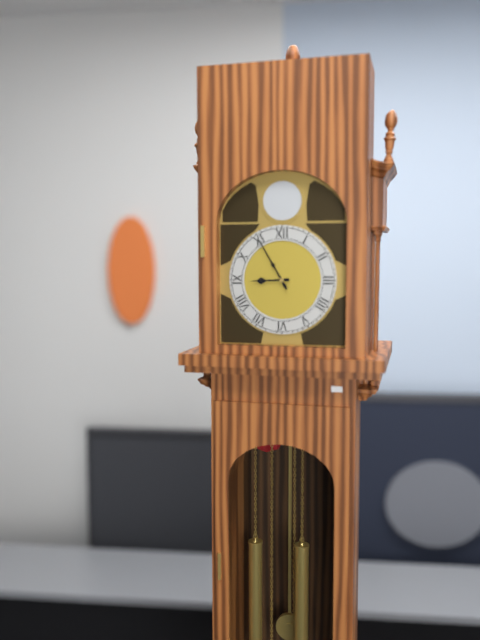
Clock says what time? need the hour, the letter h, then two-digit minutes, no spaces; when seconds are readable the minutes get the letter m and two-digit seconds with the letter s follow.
8h55
